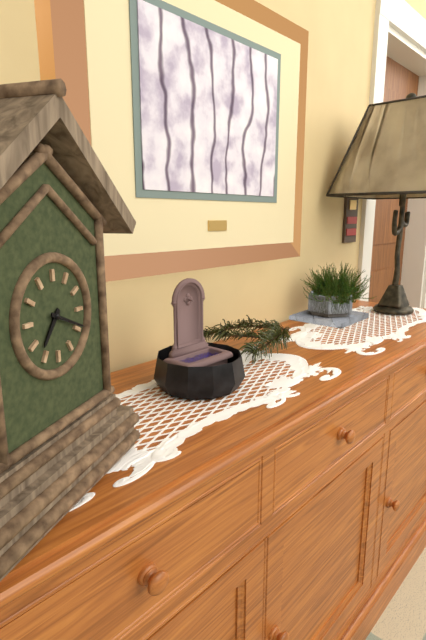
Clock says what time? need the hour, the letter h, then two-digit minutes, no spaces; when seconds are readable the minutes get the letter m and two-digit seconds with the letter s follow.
7h19
